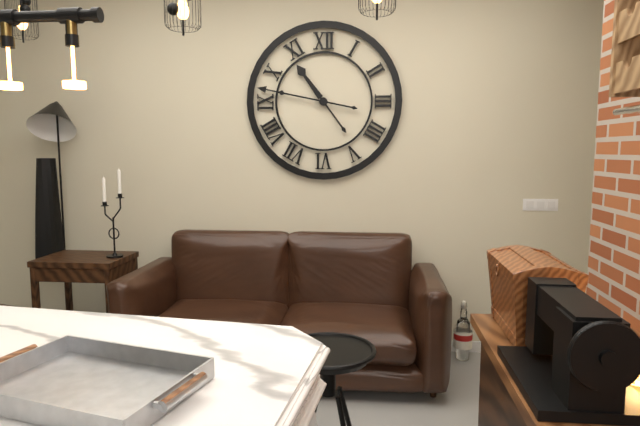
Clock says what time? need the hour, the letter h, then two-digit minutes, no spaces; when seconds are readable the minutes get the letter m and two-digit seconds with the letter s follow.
10h47
